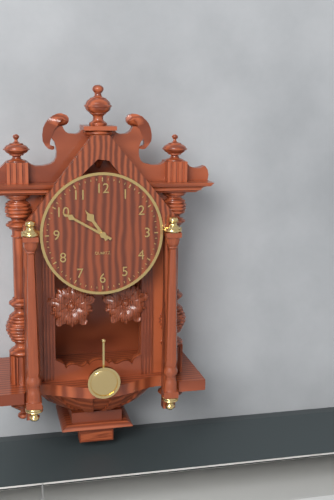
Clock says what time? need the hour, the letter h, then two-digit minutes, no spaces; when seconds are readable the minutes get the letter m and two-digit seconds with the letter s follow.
10h50
